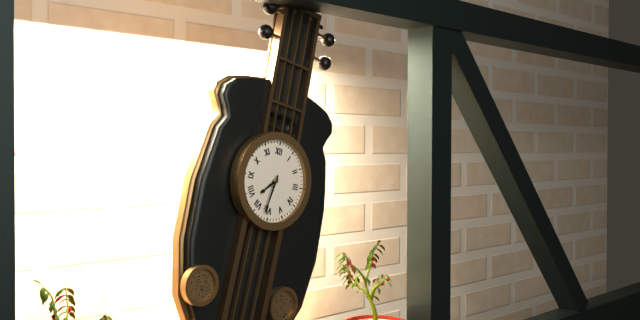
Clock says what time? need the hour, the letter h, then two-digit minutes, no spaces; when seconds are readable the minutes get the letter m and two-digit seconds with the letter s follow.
7h32
